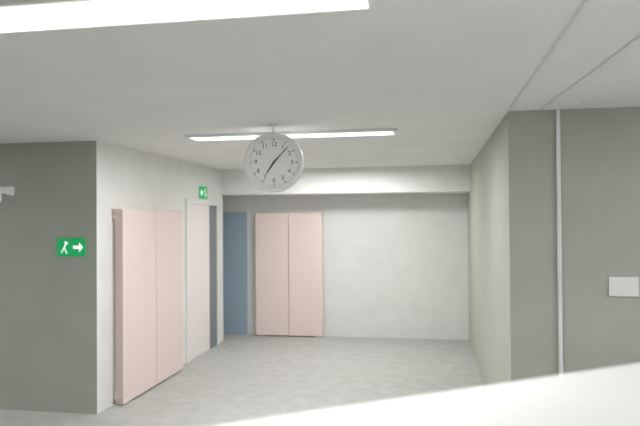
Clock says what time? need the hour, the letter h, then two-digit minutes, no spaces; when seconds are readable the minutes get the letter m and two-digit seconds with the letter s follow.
7h07
